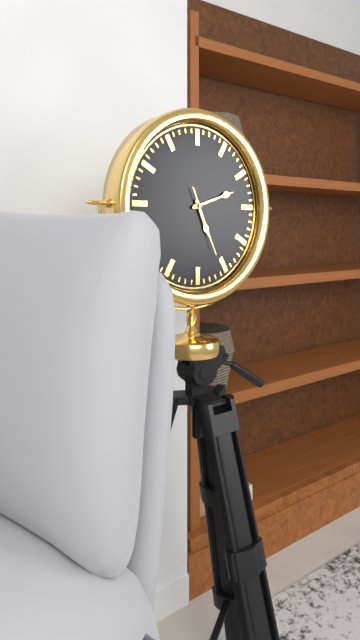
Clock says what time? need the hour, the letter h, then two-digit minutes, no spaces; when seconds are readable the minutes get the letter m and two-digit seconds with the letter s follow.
5h12m26s
